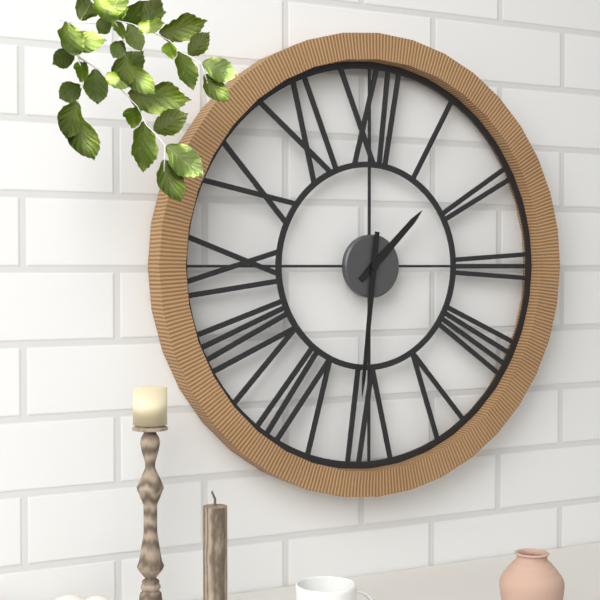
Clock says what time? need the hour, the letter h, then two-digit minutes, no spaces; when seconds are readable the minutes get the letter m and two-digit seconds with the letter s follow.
1h31
